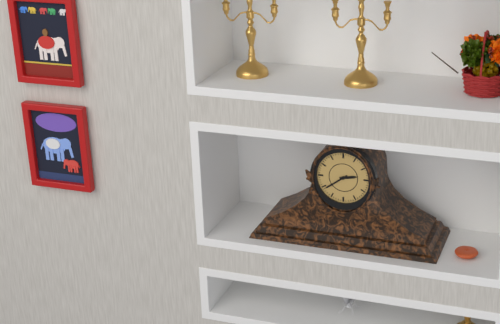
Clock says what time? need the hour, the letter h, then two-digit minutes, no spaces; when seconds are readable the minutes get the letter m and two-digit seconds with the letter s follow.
2h39
